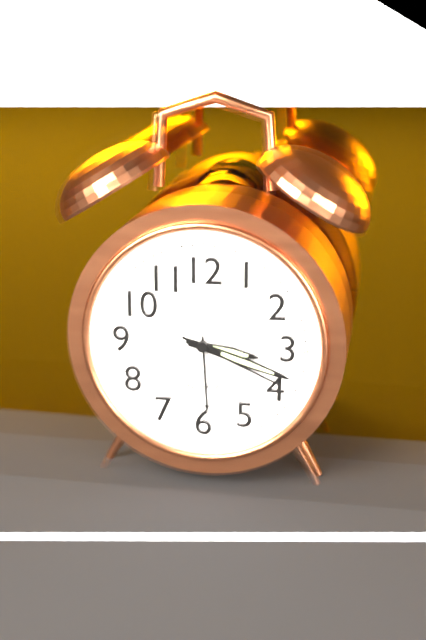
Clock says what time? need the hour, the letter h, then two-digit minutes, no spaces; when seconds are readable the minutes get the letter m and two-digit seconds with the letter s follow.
3h18m19s
